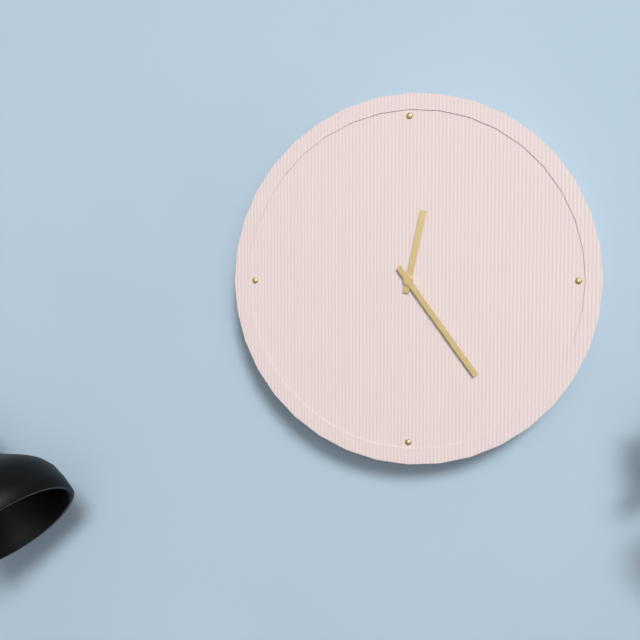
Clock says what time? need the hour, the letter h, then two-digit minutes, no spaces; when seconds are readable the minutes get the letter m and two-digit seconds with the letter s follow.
12h24
